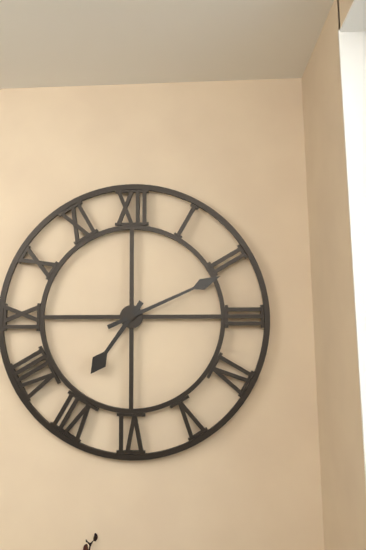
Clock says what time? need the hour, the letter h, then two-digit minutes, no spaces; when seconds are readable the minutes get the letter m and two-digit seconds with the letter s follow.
7h11
